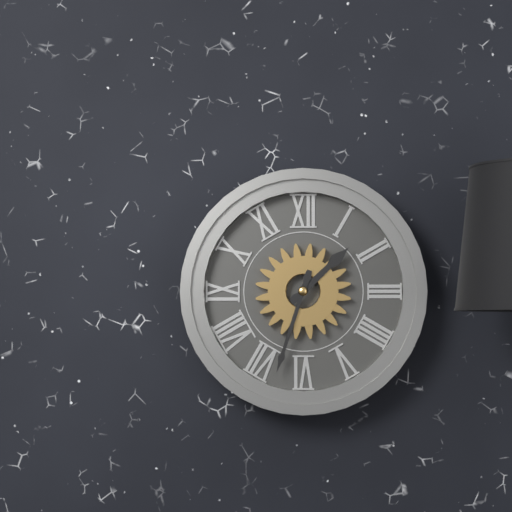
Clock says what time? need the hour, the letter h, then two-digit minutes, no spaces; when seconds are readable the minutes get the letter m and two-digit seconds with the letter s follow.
1h33
